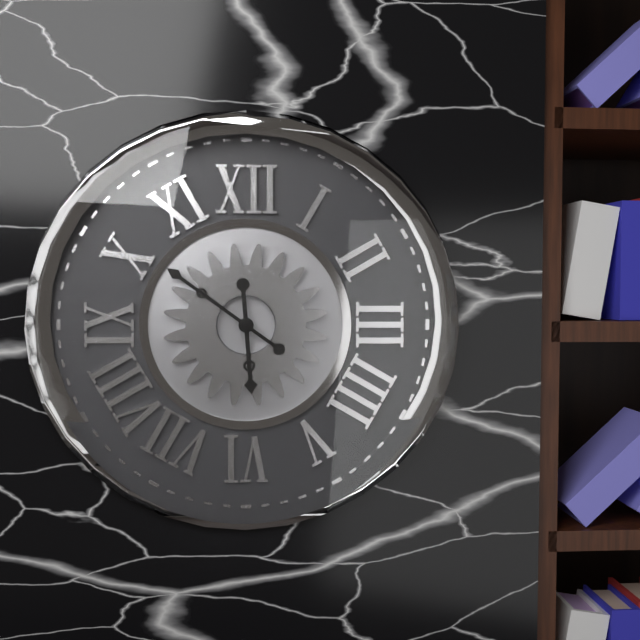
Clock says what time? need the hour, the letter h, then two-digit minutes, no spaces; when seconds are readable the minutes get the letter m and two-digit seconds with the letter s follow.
5h51
